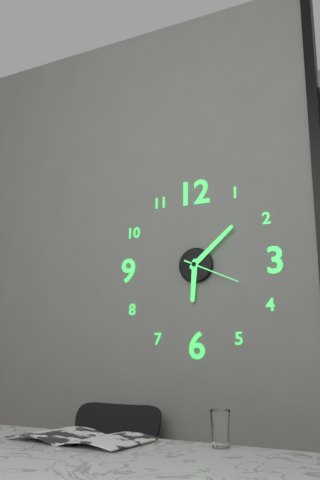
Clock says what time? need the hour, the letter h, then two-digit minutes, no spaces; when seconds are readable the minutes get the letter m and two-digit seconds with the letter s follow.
6h08m19s
